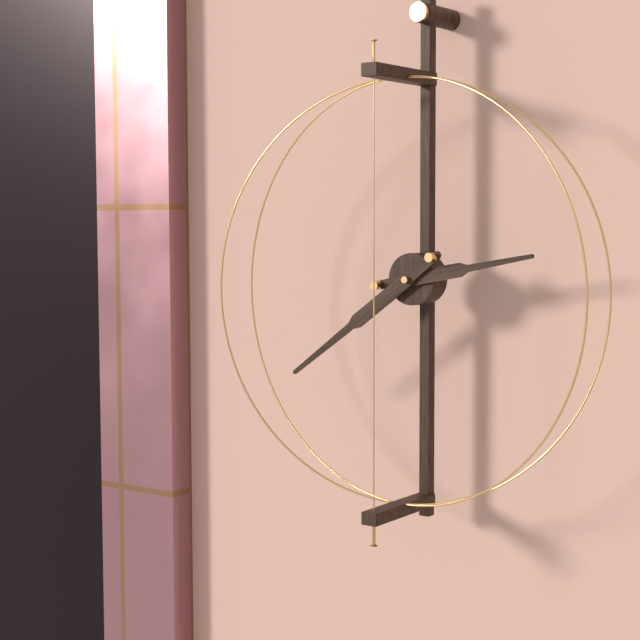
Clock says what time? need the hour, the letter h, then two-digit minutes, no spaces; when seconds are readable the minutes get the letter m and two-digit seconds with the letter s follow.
2h39
